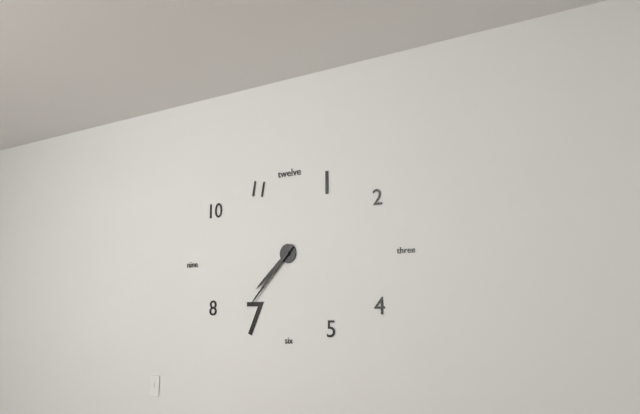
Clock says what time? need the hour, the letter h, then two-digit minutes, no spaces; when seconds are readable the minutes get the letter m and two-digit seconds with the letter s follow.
7h37
